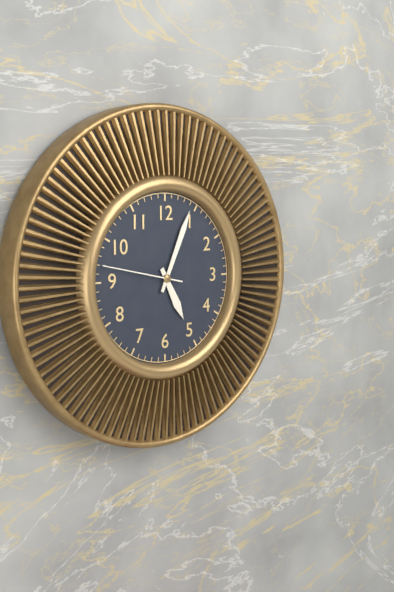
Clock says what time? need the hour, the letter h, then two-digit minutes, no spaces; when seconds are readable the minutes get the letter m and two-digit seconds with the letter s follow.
5h04m47s
